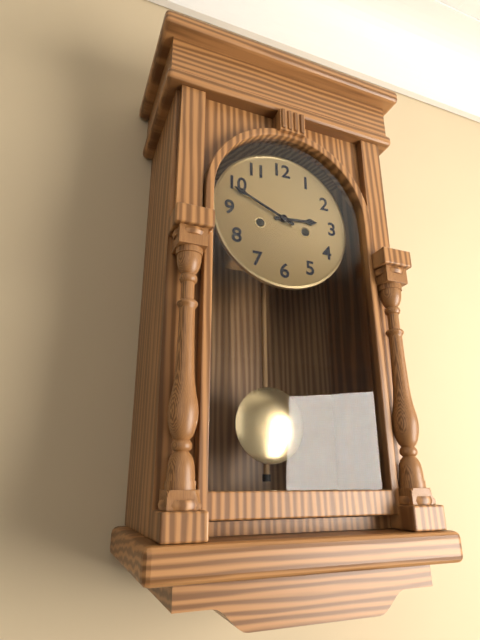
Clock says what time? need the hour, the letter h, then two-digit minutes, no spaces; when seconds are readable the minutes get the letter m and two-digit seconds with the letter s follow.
2h49
